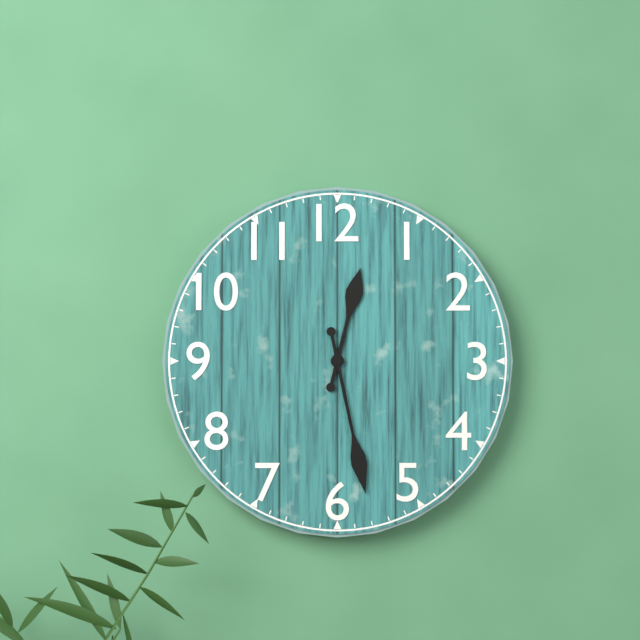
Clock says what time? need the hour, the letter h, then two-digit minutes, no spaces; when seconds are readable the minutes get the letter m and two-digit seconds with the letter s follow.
12h28
